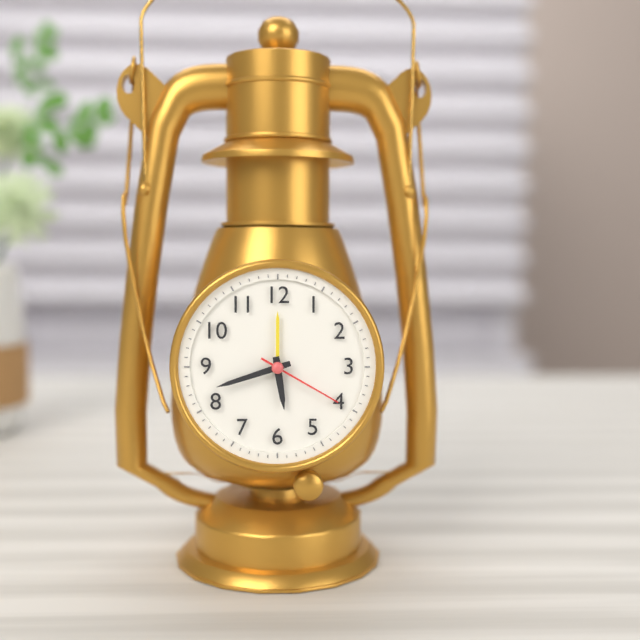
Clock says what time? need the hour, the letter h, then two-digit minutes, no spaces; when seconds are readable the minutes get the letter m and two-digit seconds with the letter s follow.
5h42m20s
